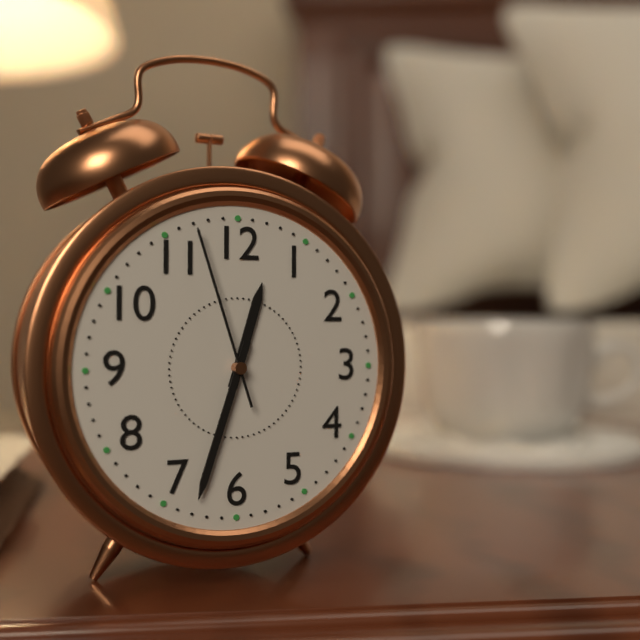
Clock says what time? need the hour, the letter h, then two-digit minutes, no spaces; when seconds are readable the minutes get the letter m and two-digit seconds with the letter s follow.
12h33m57s
